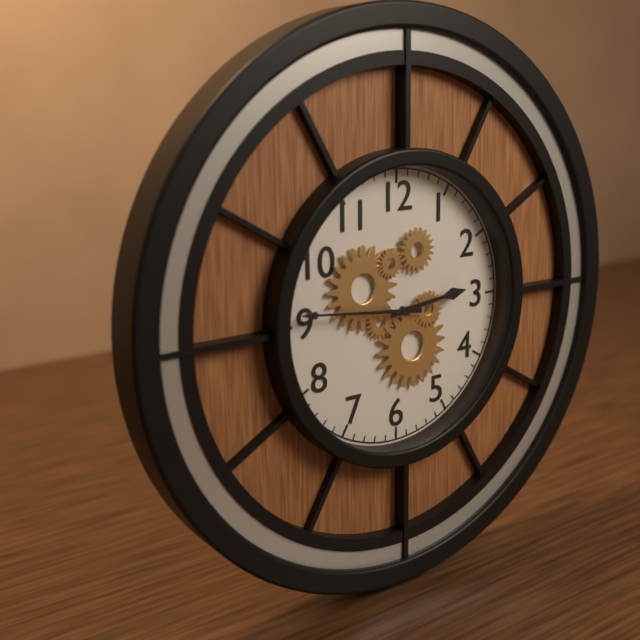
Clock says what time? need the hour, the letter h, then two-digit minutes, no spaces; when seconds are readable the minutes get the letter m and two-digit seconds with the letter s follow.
2h46
